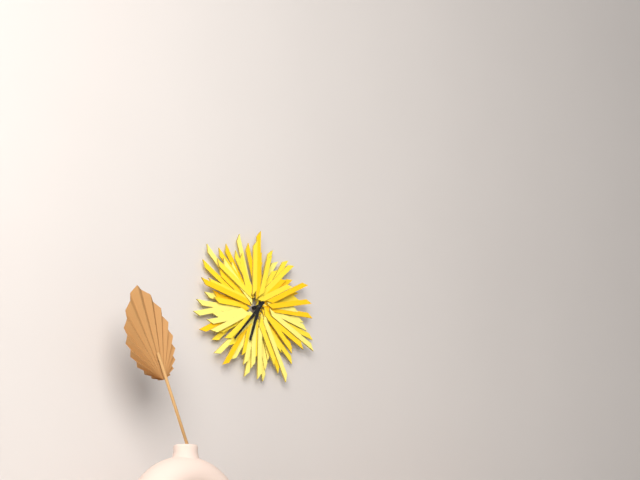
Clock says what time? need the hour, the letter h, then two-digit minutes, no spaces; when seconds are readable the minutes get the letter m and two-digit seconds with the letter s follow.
6h37
